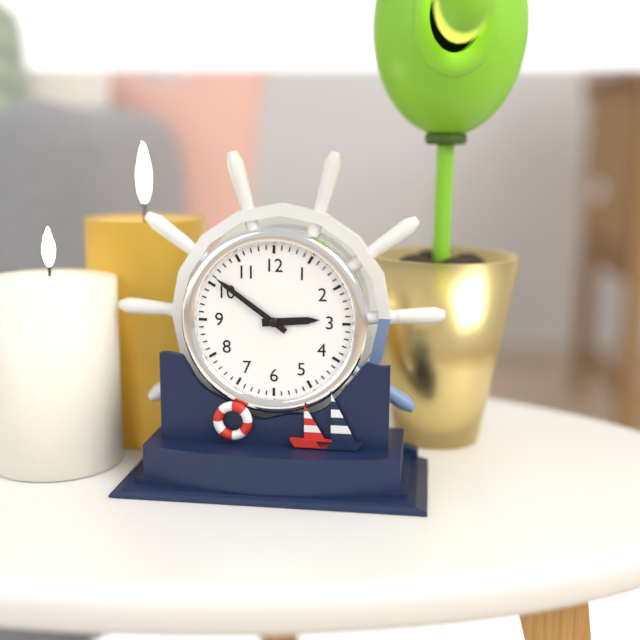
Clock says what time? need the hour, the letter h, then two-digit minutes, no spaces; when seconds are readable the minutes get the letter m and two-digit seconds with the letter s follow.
2h51
